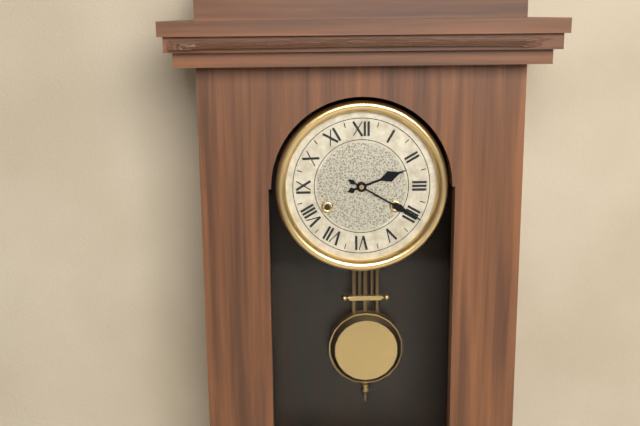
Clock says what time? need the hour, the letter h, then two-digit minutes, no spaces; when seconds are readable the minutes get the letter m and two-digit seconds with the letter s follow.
2h20
